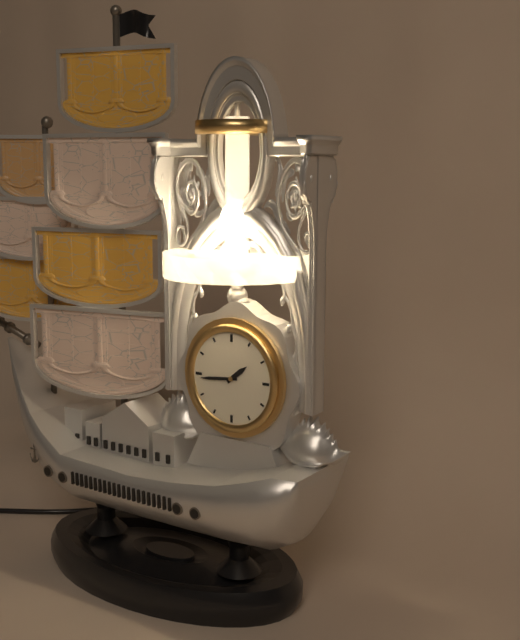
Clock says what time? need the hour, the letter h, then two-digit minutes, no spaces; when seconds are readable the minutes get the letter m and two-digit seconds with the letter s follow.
1h44
